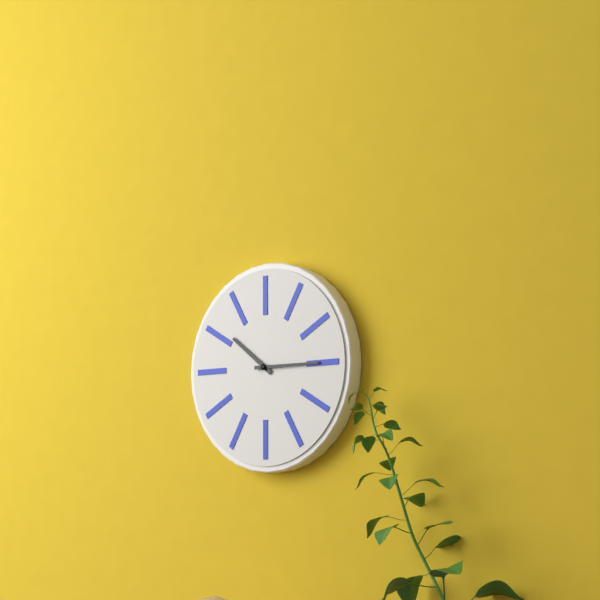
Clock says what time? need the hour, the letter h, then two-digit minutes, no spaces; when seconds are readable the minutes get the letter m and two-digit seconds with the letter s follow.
10h15
